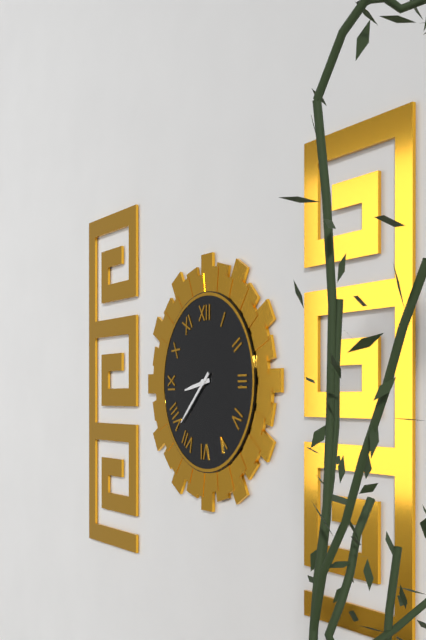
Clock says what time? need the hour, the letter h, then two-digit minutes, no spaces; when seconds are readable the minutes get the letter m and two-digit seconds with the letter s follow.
8h38
